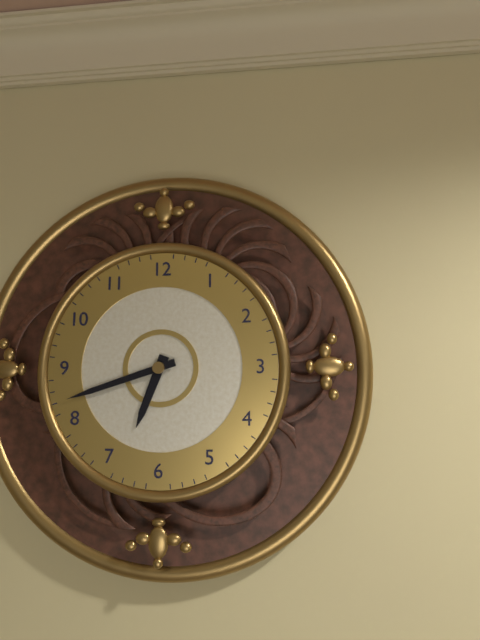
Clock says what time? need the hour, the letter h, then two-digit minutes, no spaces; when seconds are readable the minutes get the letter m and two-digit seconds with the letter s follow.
6h42
